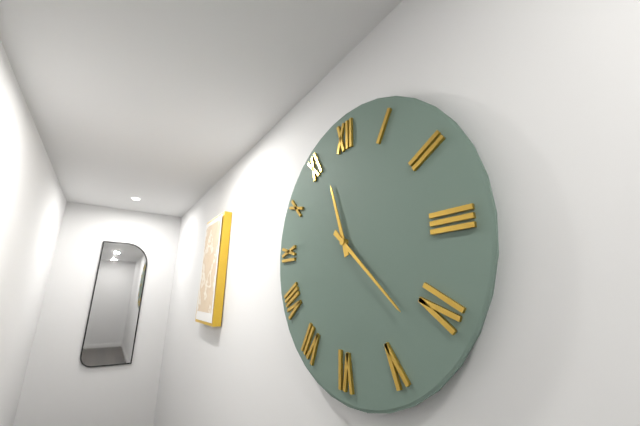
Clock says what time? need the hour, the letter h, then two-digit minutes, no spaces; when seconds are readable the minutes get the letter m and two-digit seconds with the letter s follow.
11h22
